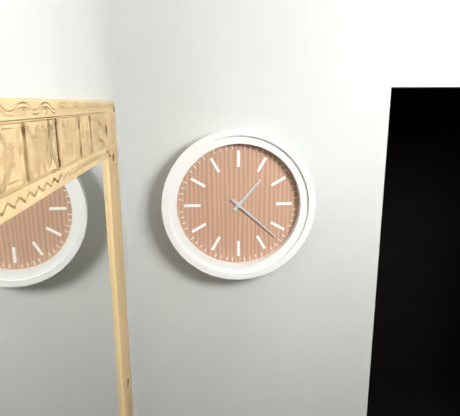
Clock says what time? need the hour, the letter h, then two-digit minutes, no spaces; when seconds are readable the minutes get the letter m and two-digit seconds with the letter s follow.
1h22
